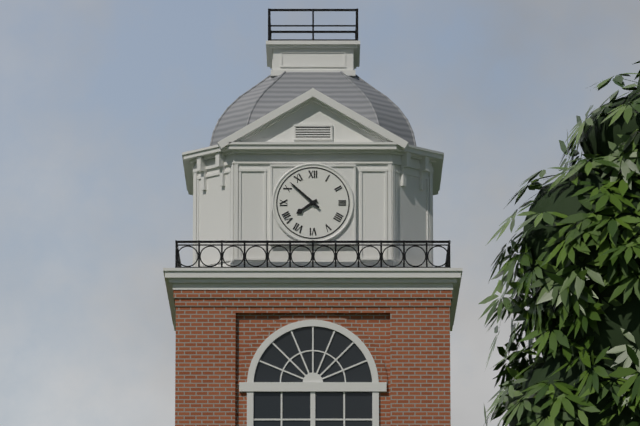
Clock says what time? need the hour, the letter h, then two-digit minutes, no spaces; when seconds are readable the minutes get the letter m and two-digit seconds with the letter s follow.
7h52
